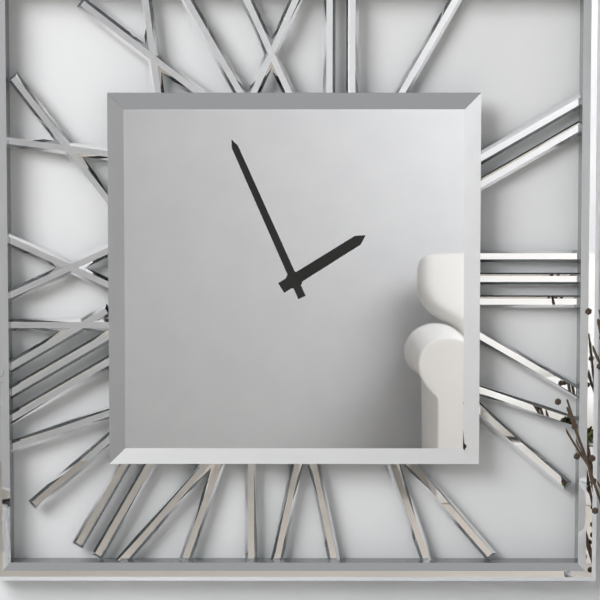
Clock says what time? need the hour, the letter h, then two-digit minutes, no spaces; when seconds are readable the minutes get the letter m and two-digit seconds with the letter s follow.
1h56
